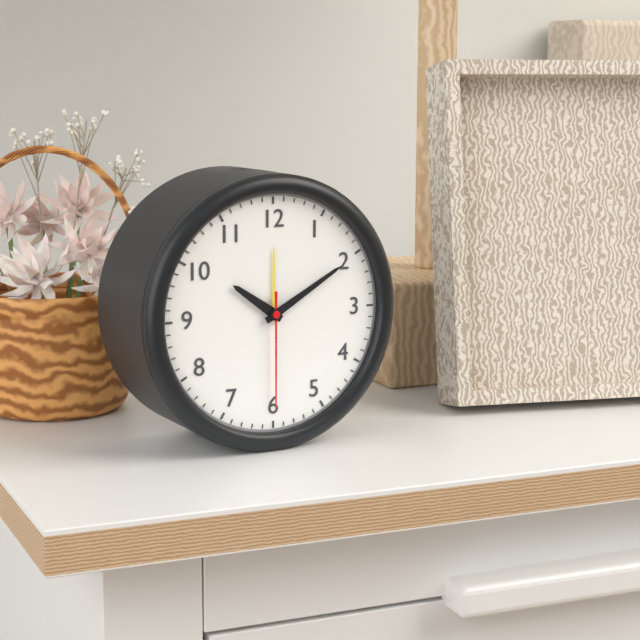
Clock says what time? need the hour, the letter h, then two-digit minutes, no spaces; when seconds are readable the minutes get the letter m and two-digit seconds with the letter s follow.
10h10m30s
